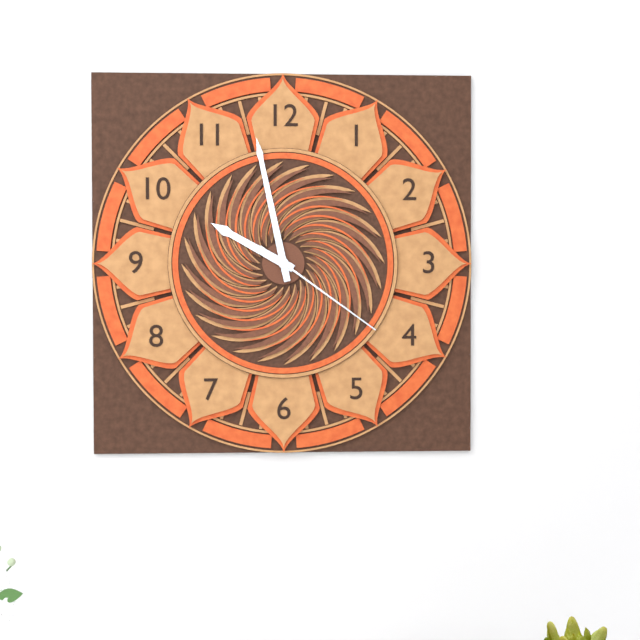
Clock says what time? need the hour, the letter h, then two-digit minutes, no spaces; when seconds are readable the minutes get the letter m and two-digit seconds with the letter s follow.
9h58m21s
